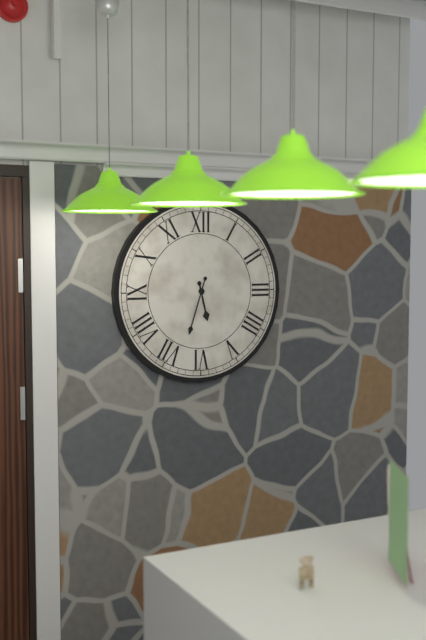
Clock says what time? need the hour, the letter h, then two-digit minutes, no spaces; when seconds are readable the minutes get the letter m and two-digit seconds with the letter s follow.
5h33
